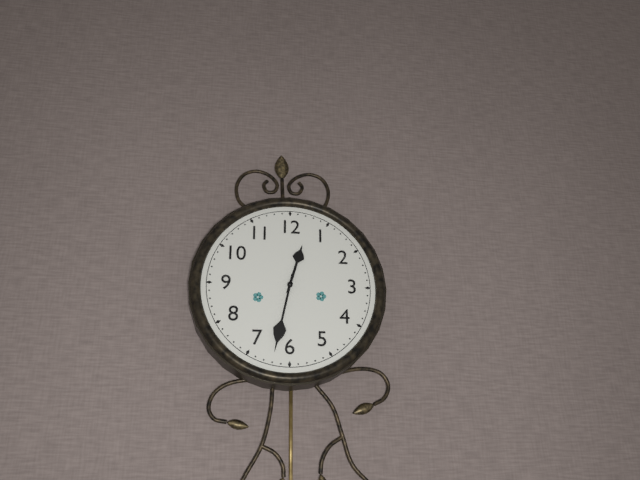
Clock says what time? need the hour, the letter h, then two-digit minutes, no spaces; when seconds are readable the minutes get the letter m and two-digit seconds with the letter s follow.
12h32
